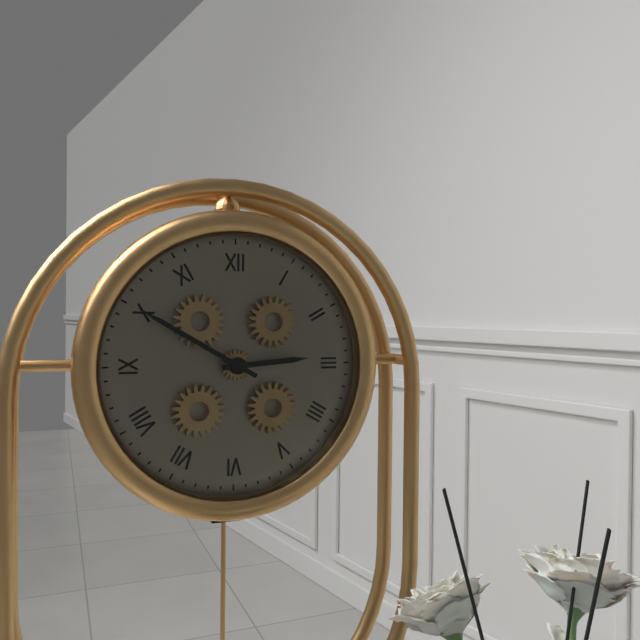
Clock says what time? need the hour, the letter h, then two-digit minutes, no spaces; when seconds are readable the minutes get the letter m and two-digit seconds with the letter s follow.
2h50
